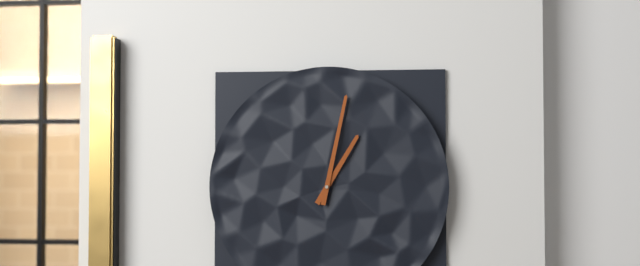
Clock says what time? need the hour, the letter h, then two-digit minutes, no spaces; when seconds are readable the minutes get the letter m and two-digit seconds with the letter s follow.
1h02
